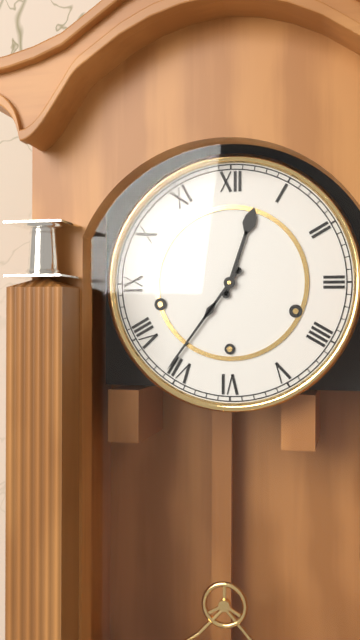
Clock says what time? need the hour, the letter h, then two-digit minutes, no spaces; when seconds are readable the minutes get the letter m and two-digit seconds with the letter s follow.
12h36
